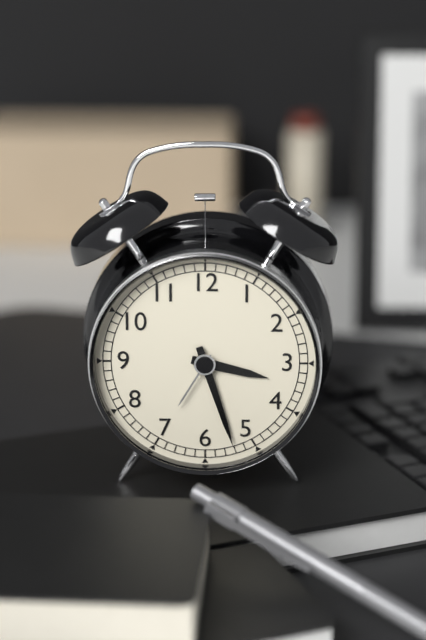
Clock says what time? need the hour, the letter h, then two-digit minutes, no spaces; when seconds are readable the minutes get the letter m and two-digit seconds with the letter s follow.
3h27
